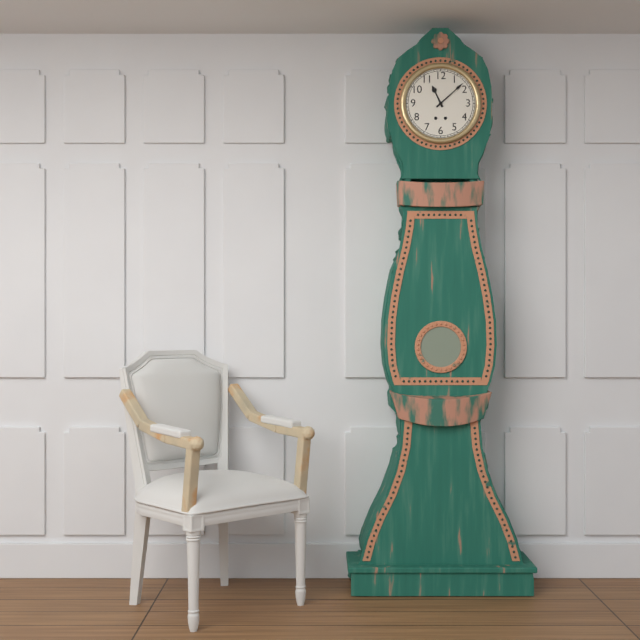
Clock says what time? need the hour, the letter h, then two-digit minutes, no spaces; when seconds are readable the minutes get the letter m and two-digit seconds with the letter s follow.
11h08
